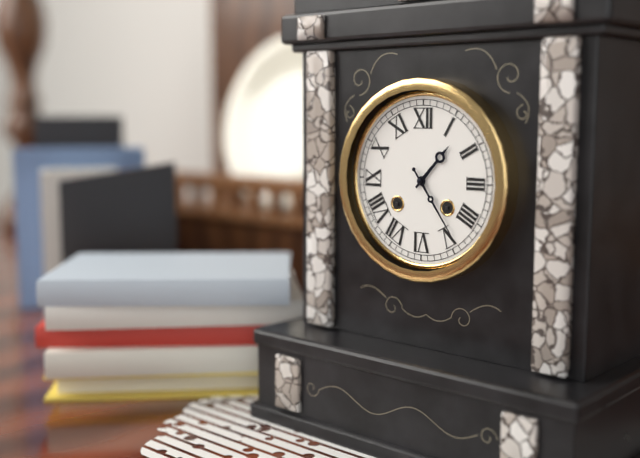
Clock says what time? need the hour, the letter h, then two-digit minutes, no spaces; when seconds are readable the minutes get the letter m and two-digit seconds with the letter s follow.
1h24
